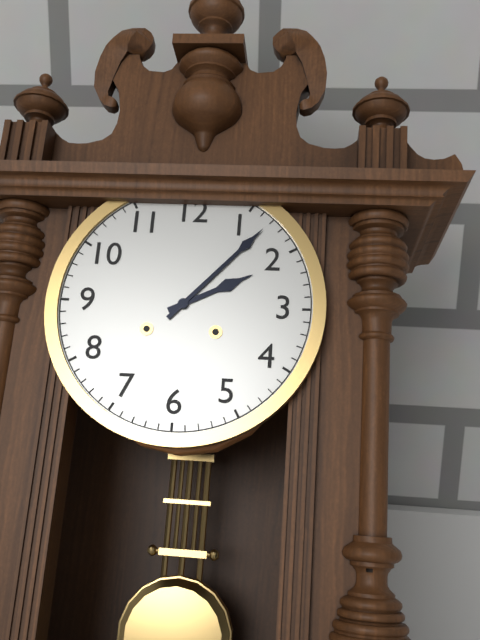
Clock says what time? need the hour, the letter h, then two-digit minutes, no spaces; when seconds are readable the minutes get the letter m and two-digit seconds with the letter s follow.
2h07
